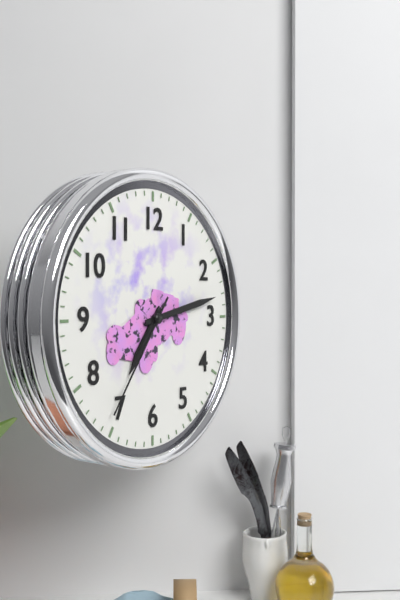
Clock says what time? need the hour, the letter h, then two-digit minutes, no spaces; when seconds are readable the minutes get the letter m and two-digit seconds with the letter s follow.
7h13m36s
